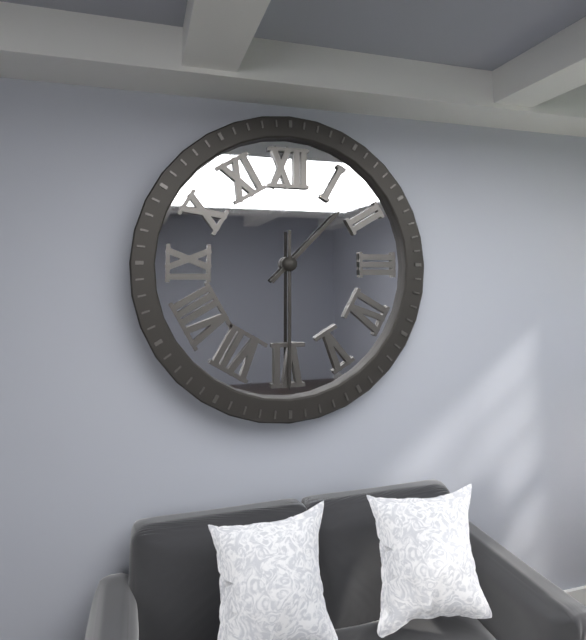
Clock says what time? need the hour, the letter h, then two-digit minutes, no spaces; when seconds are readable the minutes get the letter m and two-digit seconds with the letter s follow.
1h30
